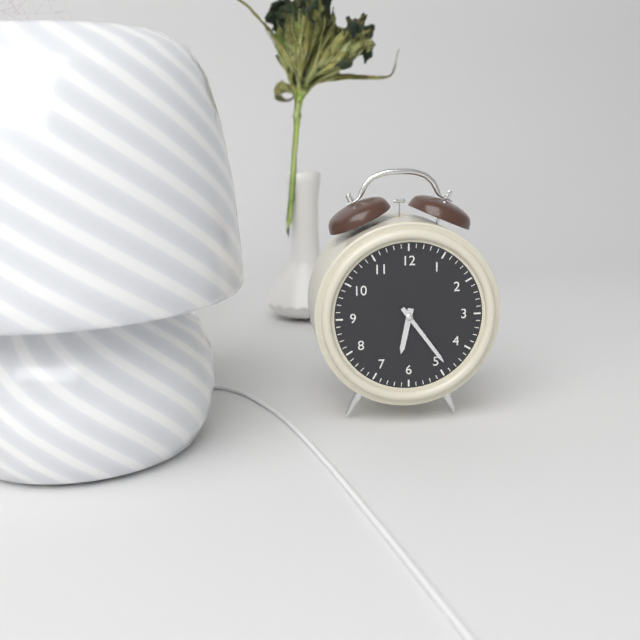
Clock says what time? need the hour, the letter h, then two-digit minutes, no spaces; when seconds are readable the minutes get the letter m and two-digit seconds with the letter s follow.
6h24
